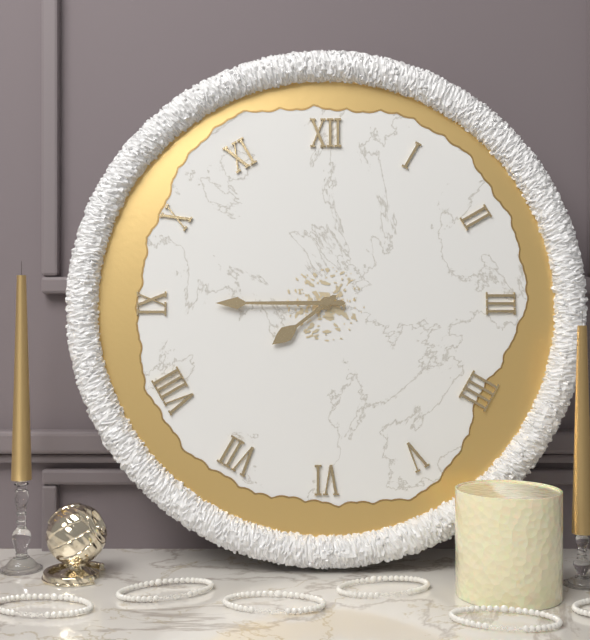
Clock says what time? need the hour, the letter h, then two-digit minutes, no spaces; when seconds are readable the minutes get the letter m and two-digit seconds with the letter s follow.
7h45
